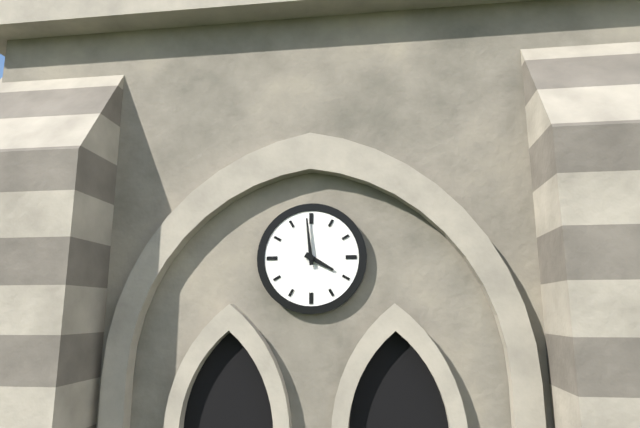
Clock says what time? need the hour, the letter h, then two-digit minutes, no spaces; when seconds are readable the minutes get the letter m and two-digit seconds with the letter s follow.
3h59
